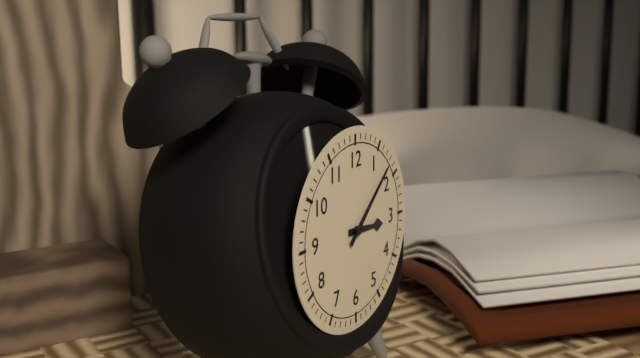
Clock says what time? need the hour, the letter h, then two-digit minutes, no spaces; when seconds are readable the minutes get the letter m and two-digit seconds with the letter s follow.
3h08
